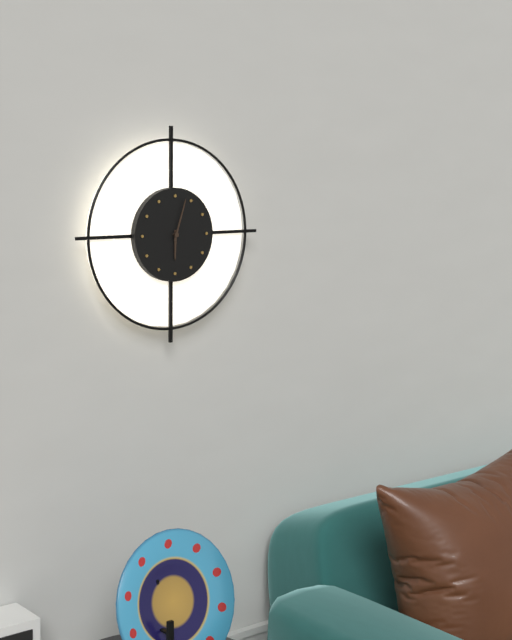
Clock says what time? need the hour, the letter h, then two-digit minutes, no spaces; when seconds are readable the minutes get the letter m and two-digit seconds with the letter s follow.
6h03
